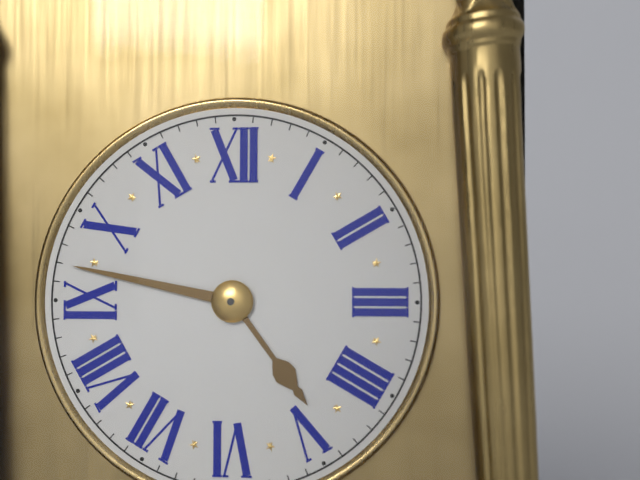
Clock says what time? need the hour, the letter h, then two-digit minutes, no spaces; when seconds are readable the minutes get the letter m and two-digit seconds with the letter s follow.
4h47
